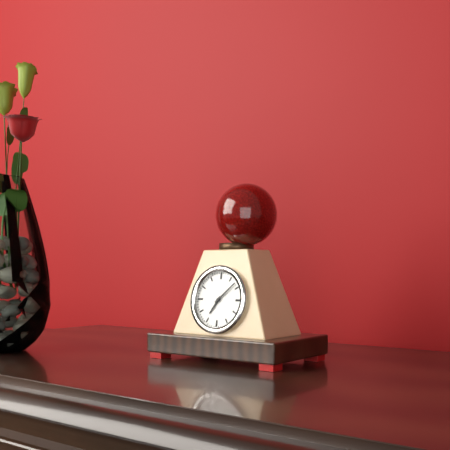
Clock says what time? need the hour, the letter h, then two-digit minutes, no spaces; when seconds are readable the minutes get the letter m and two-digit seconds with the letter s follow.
7h08
